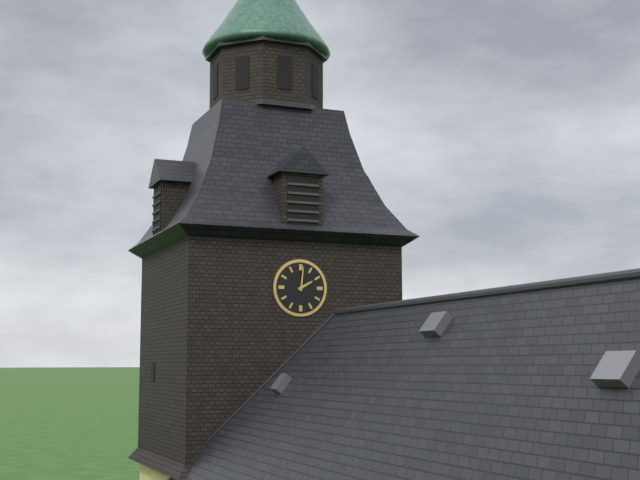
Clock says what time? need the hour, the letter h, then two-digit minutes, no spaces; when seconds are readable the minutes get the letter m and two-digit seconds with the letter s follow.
2h01
